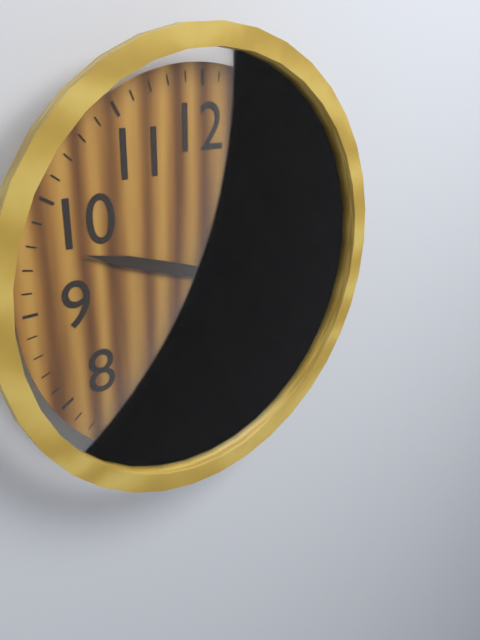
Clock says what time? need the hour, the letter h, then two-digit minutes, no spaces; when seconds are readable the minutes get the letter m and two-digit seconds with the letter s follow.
6h48
